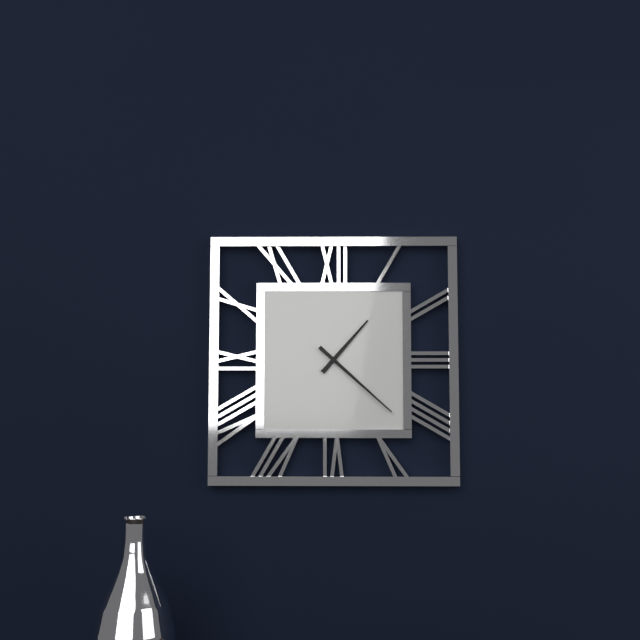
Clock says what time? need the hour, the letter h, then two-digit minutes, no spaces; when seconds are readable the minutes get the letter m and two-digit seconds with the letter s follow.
1h22
